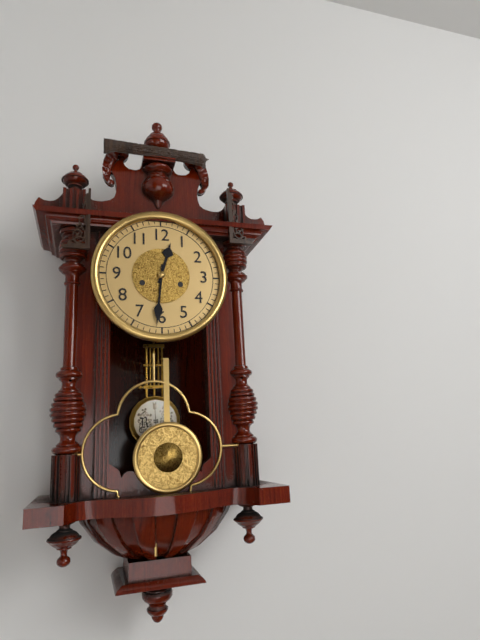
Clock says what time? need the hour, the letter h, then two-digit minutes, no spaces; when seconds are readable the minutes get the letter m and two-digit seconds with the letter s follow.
12h31
